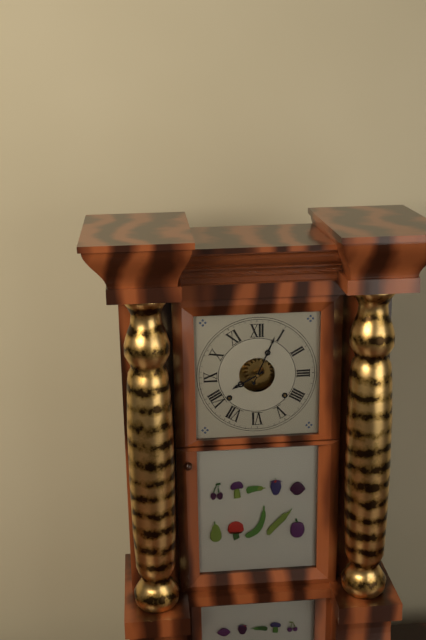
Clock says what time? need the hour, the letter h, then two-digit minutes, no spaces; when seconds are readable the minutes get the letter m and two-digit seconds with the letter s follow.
8h04
